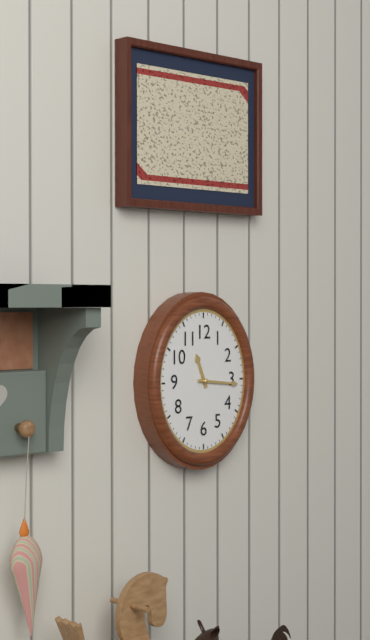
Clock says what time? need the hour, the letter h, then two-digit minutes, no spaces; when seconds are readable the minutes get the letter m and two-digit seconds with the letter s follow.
11h16
